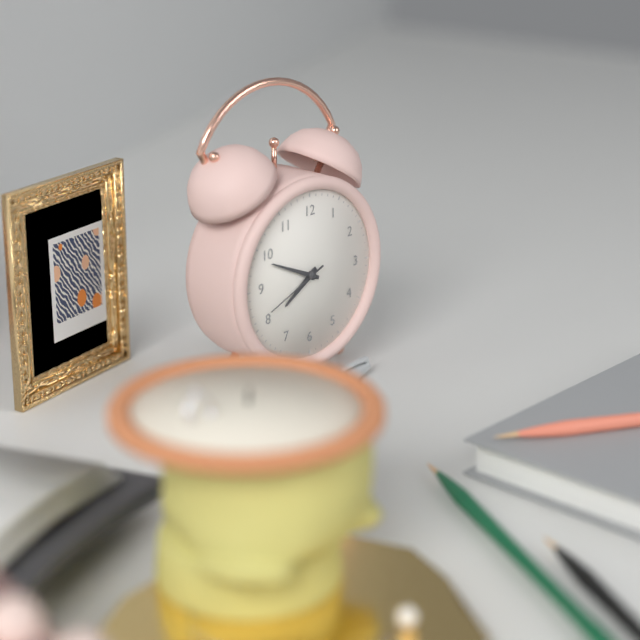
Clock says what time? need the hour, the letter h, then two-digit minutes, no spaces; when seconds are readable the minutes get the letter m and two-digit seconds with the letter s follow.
7h49m41s
